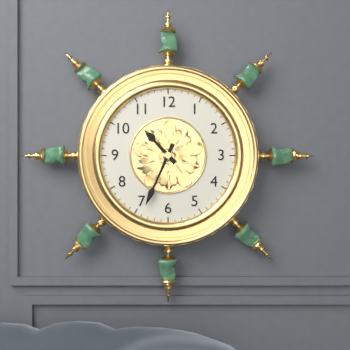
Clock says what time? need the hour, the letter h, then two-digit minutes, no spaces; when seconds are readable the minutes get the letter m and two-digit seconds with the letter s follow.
10h34
